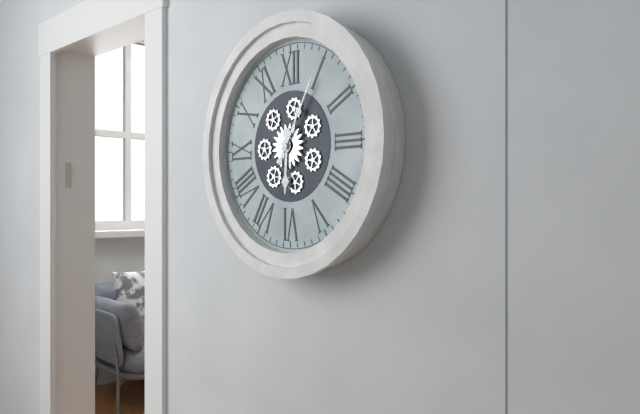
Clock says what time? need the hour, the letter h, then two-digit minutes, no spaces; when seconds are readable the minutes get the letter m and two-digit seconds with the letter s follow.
6h05
